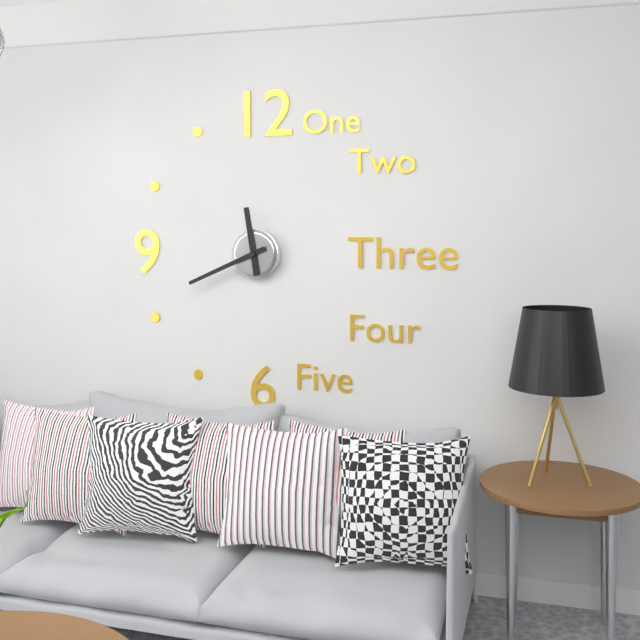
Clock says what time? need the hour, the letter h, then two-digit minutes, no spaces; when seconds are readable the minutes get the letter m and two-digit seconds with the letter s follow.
11h41
